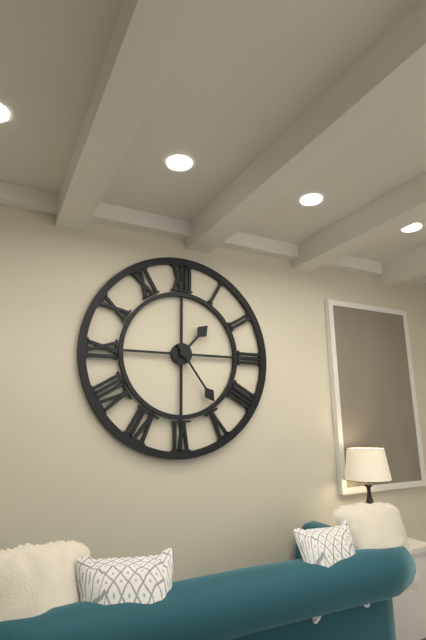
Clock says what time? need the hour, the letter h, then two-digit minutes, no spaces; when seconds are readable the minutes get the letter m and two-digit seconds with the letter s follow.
1h24
